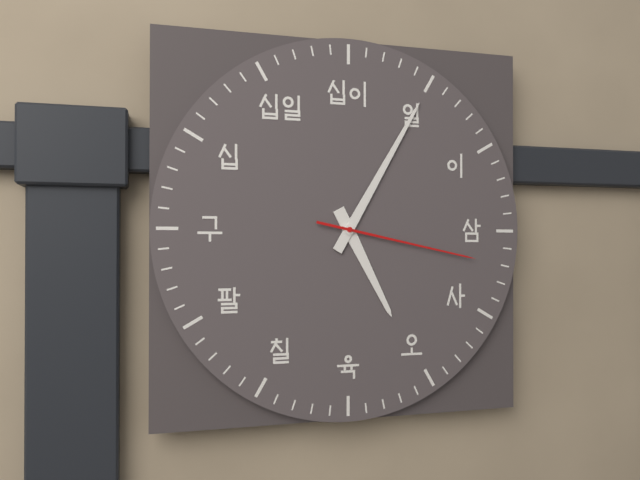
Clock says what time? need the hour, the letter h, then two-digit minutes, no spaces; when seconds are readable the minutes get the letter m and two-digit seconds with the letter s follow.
5h05m17s
